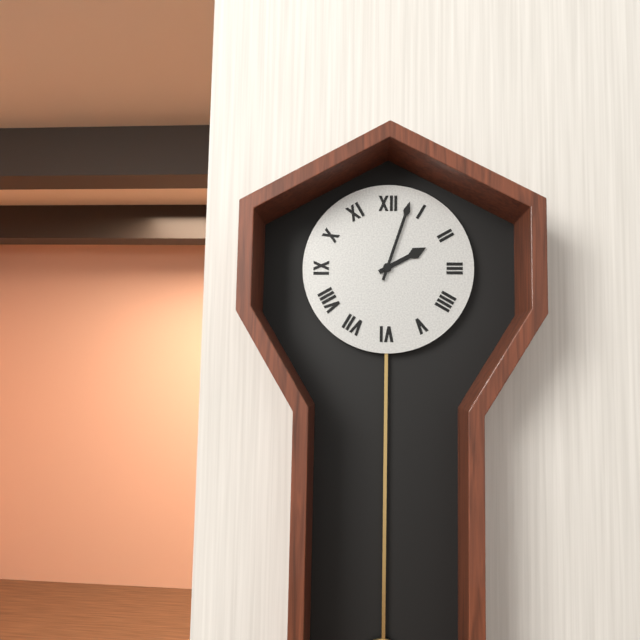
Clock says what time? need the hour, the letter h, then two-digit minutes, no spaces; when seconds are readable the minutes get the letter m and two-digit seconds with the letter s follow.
2h03
